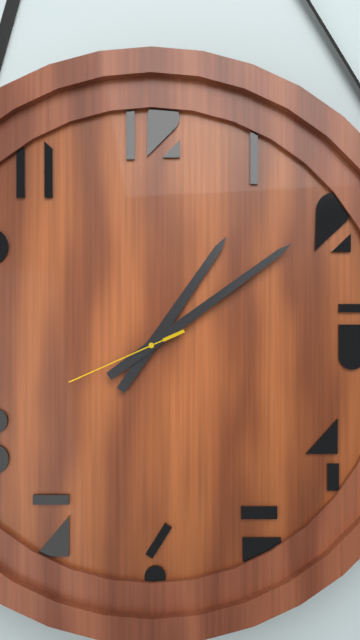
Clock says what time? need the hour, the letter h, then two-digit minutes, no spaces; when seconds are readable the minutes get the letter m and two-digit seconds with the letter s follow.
1h09m41s
